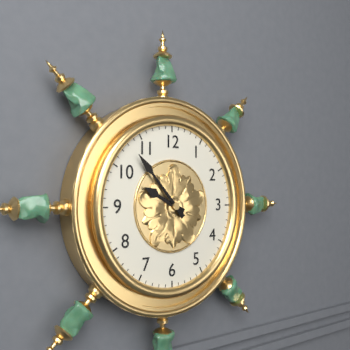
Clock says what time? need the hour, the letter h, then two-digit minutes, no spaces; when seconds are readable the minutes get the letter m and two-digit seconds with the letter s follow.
9h53
